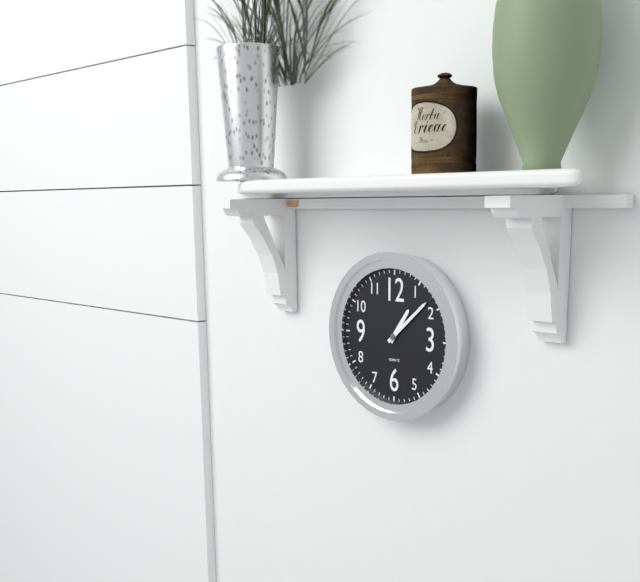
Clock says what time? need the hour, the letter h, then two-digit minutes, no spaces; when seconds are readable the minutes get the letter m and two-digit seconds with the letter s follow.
1h08
